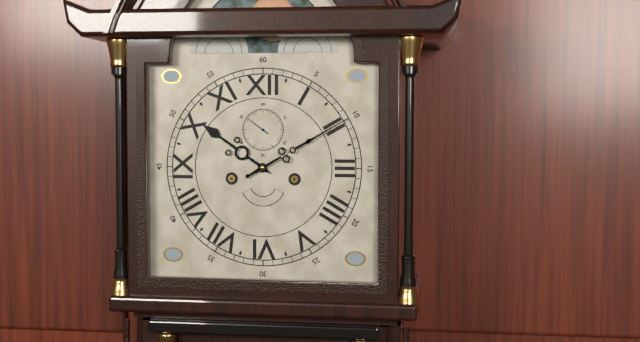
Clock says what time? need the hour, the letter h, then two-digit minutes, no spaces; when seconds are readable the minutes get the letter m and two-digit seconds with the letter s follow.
10h10
